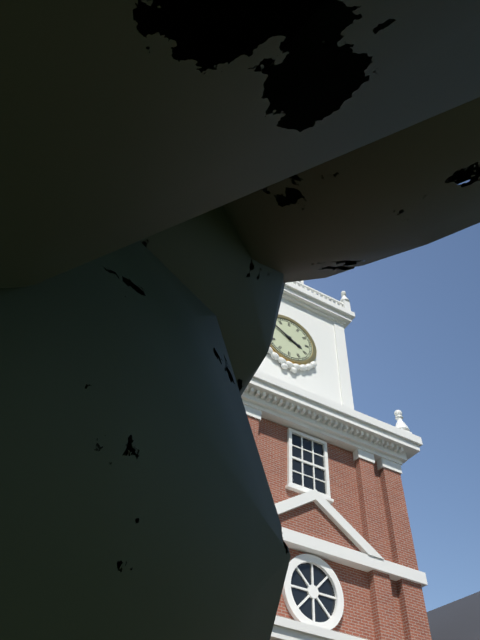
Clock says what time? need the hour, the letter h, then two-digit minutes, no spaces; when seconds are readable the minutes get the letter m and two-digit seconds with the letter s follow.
3h50
